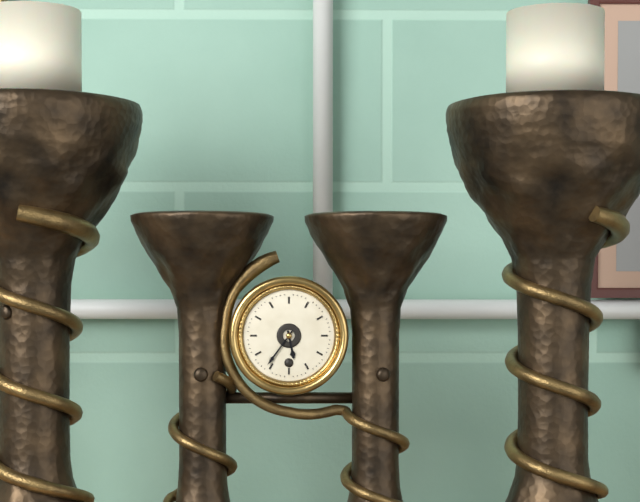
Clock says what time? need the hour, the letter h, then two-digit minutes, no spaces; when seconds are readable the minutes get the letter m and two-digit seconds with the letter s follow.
5h36
